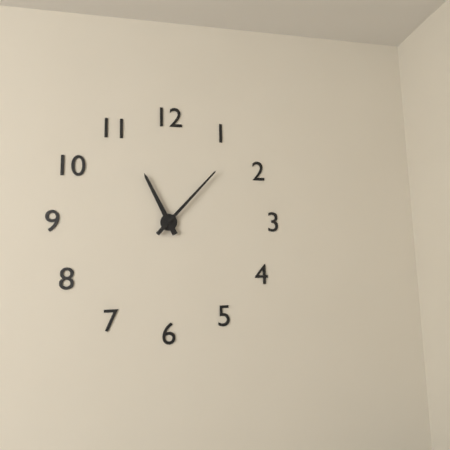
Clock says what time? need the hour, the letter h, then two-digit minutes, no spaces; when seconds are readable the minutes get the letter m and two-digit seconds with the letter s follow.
11h07
